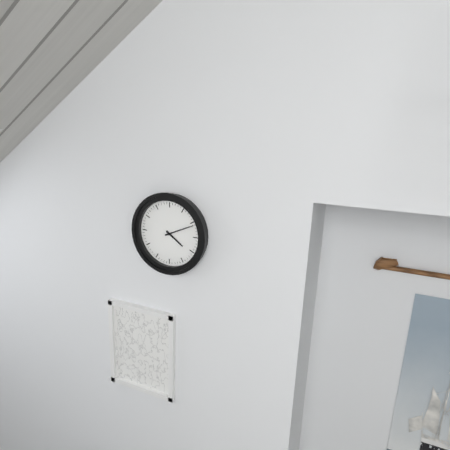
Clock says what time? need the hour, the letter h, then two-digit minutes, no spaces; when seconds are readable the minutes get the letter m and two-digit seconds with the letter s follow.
4h11
